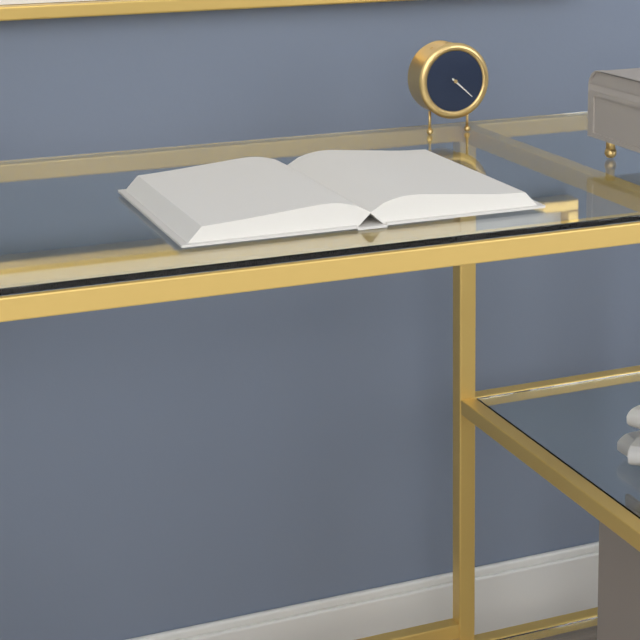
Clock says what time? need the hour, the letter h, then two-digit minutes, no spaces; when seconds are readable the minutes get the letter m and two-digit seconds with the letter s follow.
4h22
